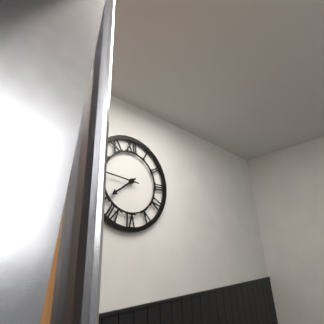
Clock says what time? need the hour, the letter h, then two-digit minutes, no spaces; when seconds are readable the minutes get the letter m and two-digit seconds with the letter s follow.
7h46
